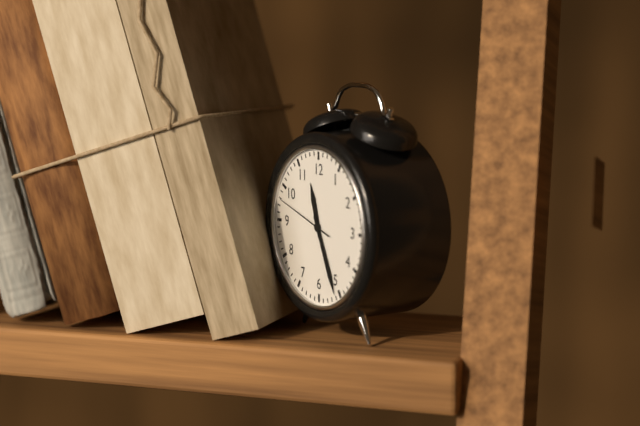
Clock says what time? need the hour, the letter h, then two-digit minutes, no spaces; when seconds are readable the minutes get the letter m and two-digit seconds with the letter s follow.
11h26m48s
